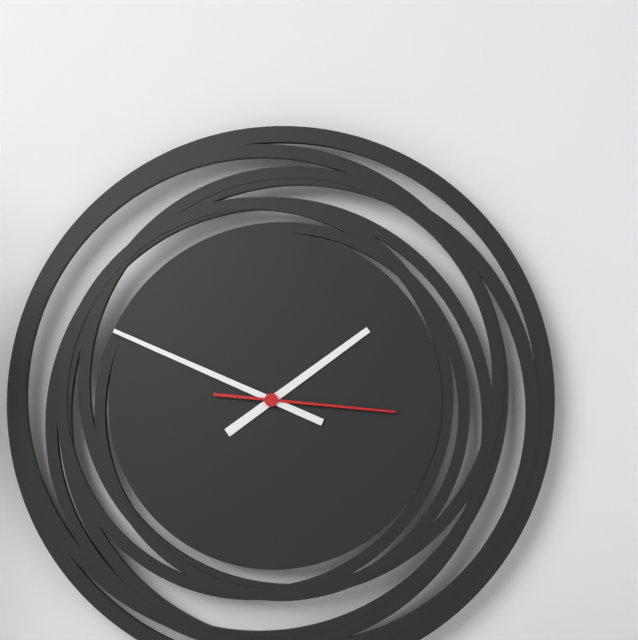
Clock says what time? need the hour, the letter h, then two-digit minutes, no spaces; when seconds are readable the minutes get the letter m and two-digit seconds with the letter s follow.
1h49m16s
